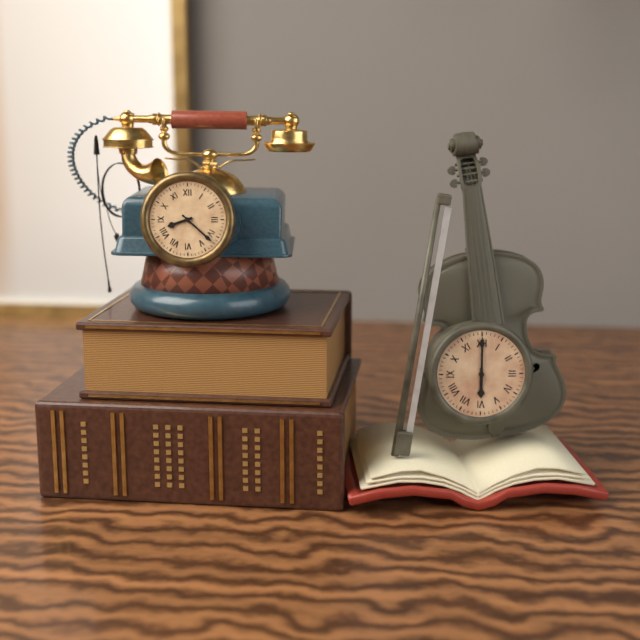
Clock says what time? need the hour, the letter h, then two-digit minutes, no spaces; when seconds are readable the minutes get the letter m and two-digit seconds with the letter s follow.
8h22
